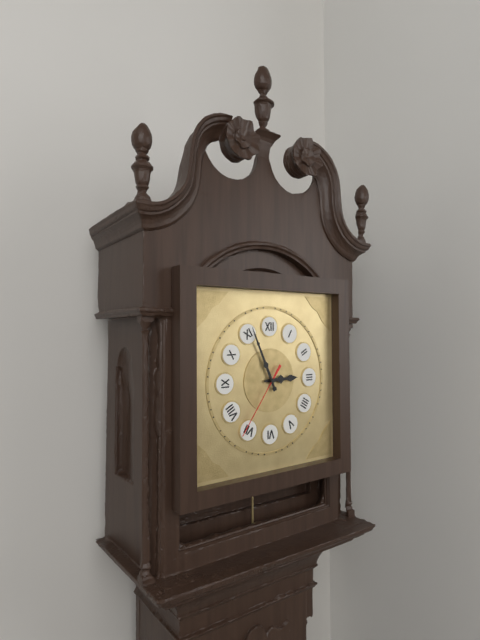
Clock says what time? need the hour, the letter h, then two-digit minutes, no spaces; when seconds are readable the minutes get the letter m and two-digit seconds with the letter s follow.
2h56m36s
